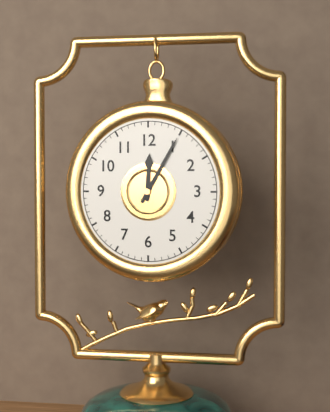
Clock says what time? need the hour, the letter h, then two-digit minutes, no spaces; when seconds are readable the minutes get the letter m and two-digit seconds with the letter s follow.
12h05
